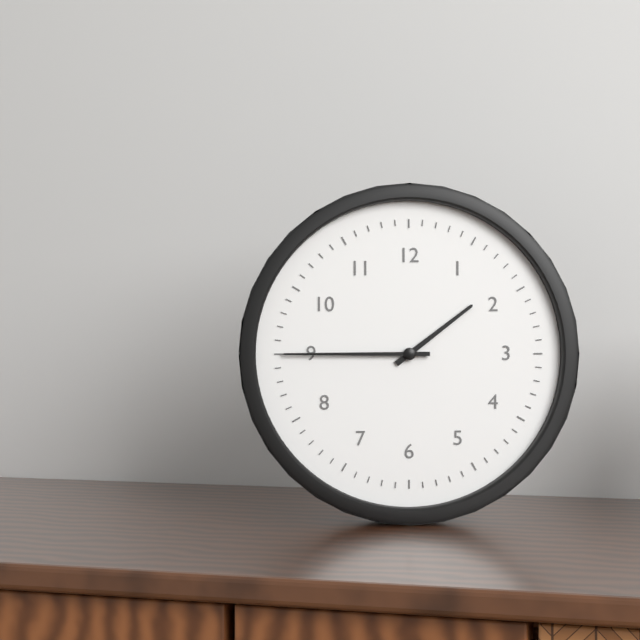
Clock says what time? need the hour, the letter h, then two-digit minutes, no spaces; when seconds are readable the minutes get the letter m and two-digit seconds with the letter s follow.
1h45
